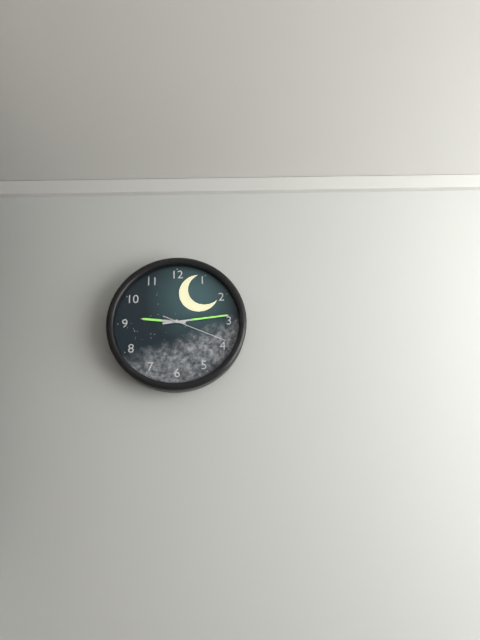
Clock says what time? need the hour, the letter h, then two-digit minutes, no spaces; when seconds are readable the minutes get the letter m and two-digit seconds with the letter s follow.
9h14m19s
